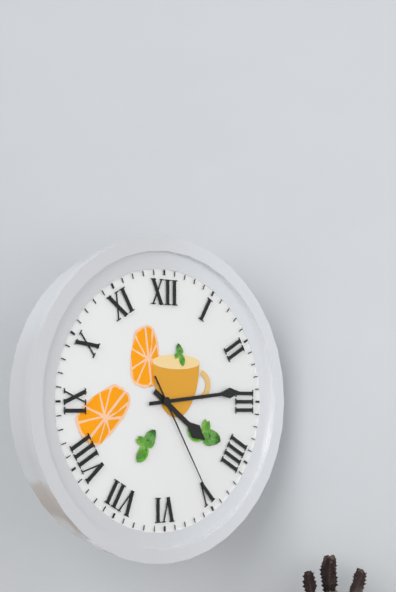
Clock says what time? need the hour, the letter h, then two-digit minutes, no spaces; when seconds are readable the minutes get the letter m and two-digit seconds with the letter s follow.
4h14m25s
